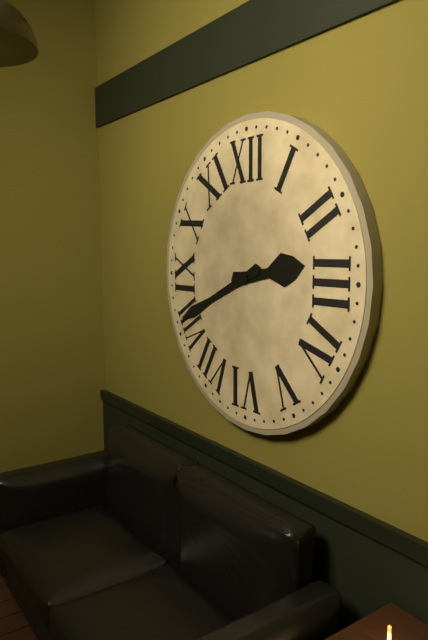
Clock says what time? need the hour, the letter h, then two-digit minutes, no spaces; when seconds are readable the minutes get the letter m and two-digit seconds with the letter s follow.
2h41
